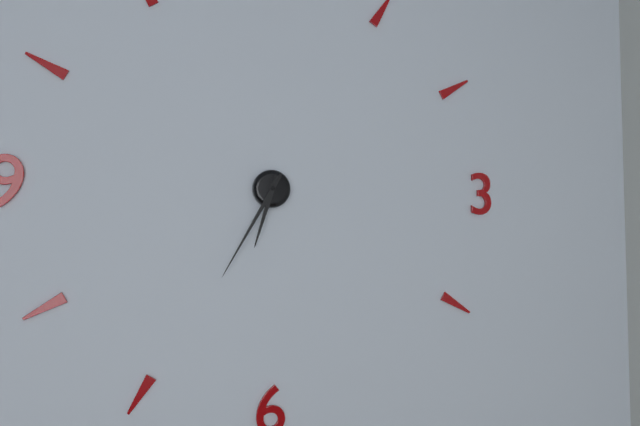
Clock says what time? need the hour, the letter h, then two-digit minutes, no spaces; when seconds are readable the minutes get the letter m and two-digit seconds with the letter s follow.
6h35
